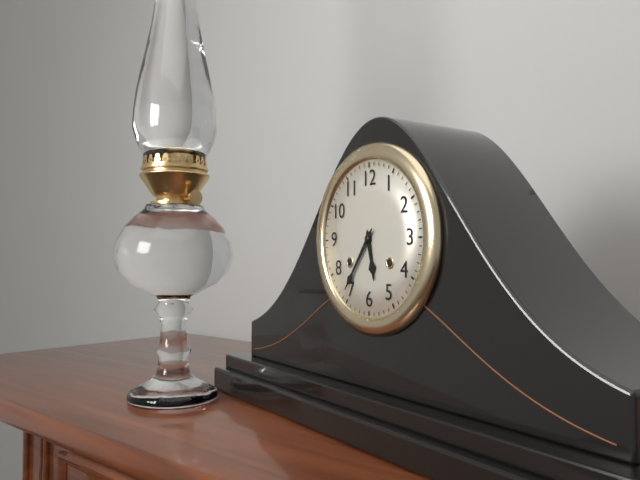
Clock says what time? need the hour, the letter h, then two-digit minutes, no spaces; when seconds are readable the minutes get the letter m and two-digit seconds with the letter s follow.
5h36
